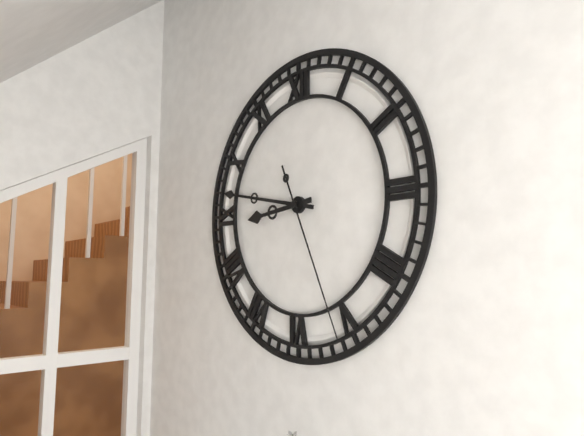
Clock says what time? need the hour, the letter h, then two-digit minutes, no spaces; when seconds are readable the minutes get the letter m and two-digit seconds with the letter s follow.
8h47m26s
